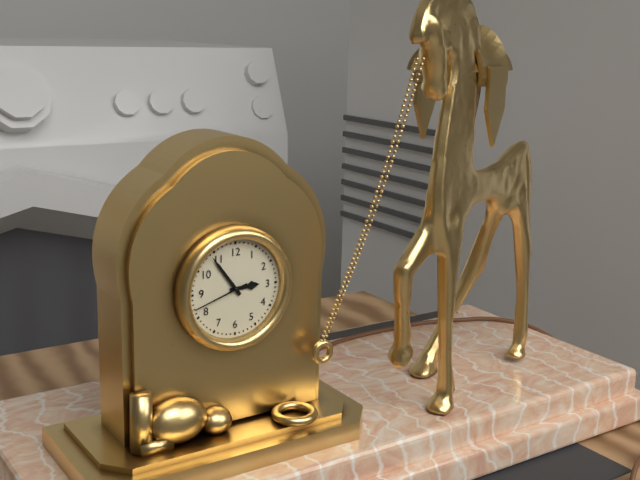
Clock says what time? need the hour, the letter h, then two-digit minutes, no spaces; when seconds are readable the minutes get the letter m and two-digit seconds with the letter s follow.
2h54m42s
